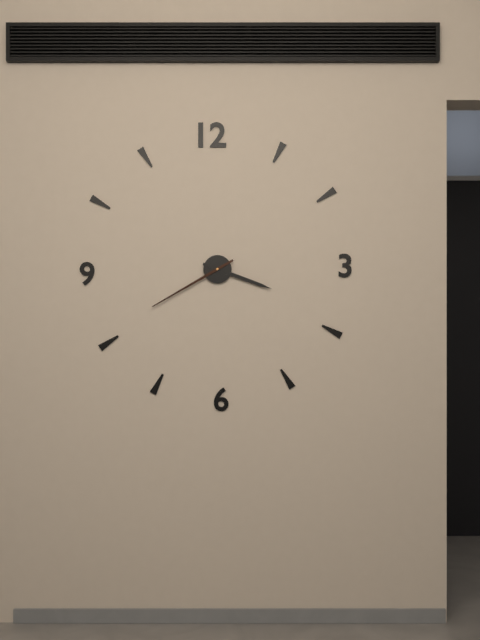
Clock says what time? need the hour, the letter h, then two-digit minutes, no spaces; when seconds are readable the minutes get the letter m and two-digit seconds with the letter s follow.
3h40
